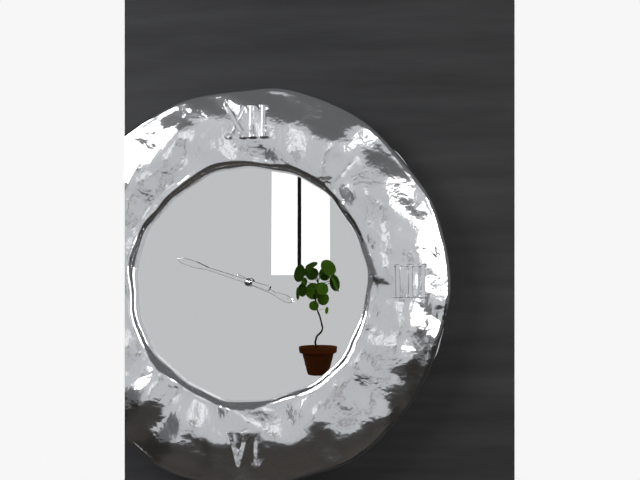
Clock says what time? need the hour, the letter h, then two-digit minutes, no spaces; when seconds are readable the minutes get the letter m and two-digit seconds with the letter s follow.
3h48
